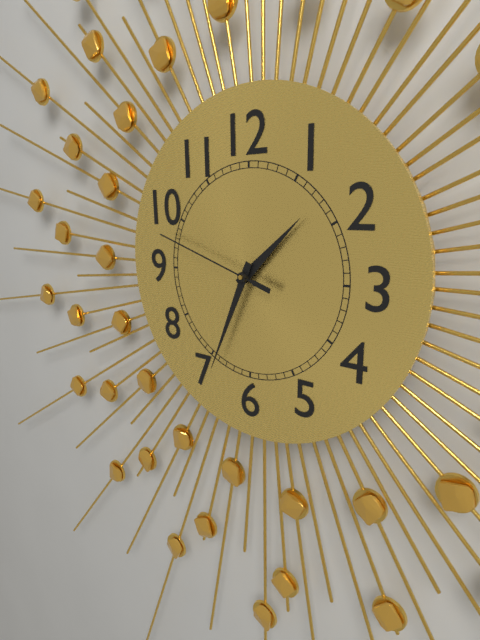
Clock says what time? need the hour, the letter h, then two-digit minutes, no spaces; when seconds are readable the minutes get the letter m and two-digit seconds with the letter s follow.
1h34m48s
